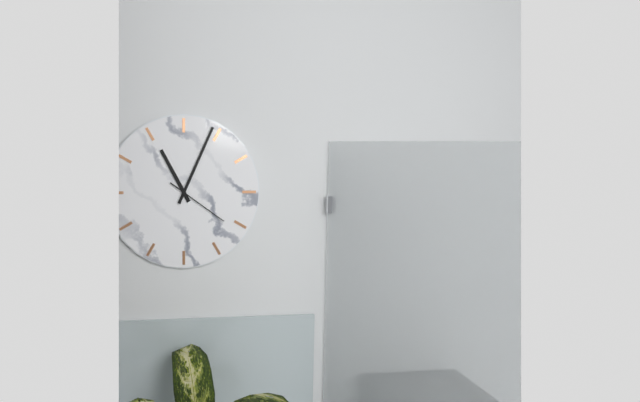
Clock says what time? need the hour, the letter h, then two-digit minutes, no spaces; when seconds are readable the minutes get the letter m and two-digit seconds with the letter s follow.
11h04m21s
